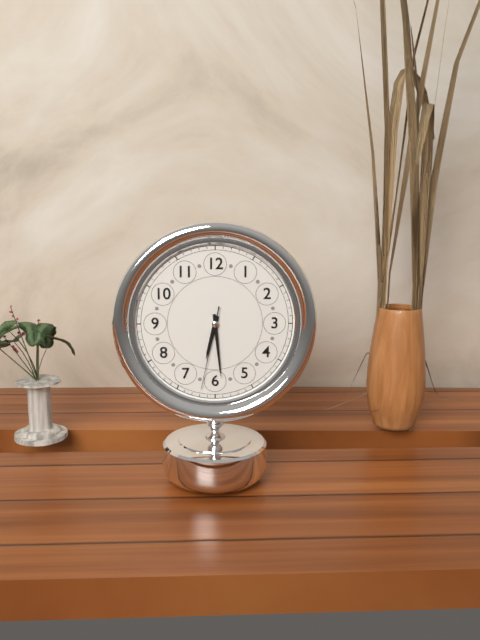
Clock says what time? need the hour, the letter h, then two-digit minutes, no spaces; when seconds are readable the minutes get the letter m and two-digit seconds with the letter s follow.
6h29m32s
